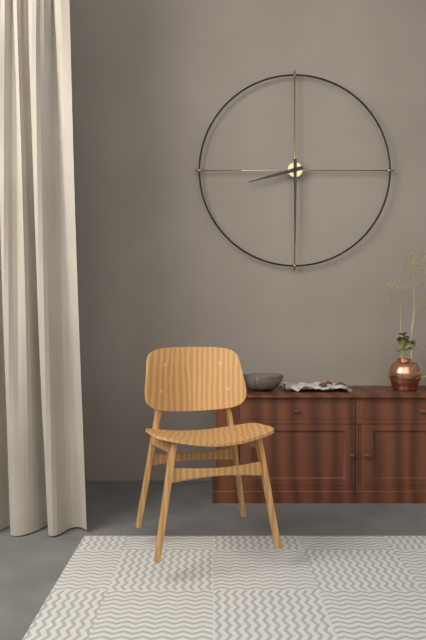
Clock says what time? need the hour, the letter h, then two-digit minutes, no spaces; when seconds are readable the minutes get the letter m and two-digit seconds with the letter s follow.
8h30
